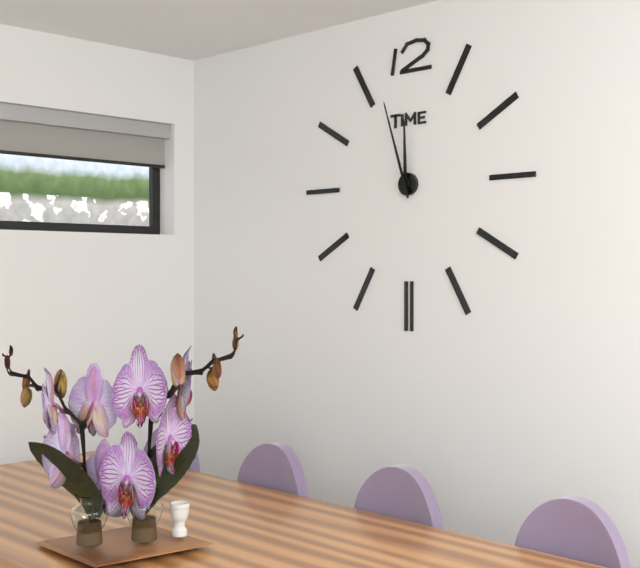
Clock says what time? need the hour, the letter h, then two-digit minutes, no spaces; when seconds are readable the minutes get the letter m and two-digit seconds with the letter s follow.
11h57
